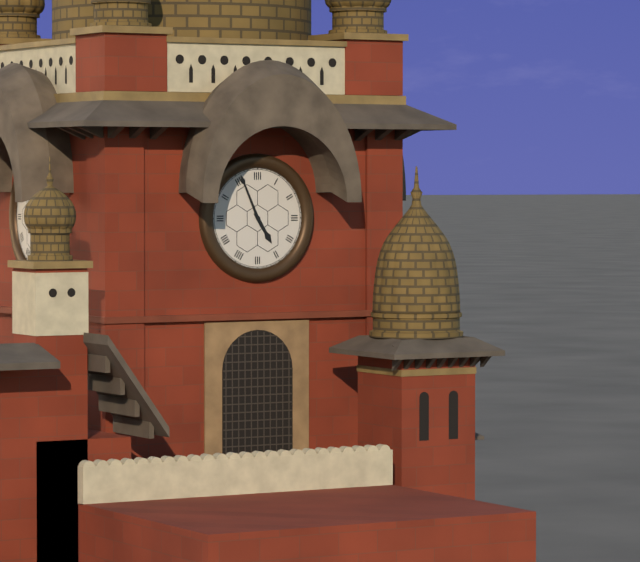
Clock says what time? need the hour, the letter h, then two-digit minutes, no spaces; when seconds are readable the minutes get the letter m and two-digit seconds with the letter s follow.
4h56
